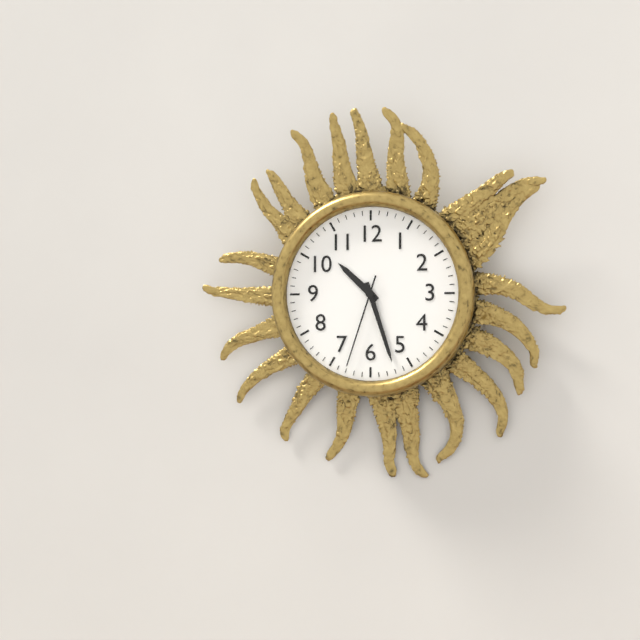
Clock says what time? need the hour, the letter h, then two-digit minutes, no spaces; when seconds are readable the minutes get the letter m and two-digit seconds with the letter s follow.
10h27m33s
